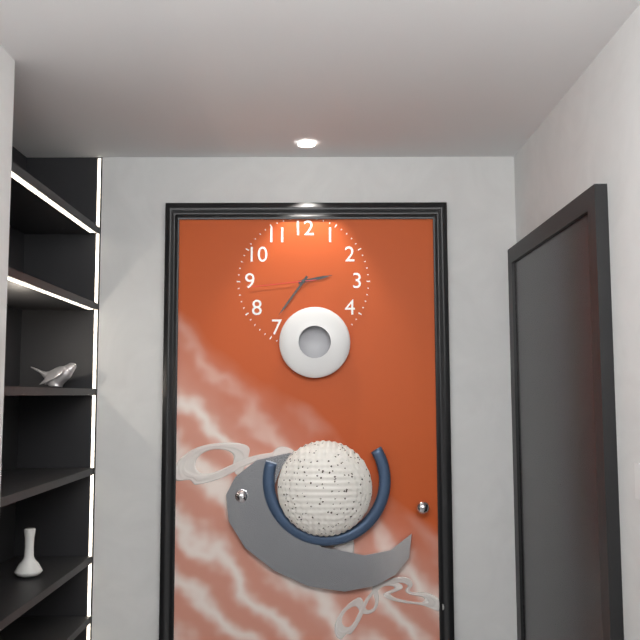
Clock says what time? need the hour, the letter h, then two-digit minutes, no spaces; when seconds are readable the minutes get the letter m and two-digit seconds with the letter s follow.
2h36m44s
